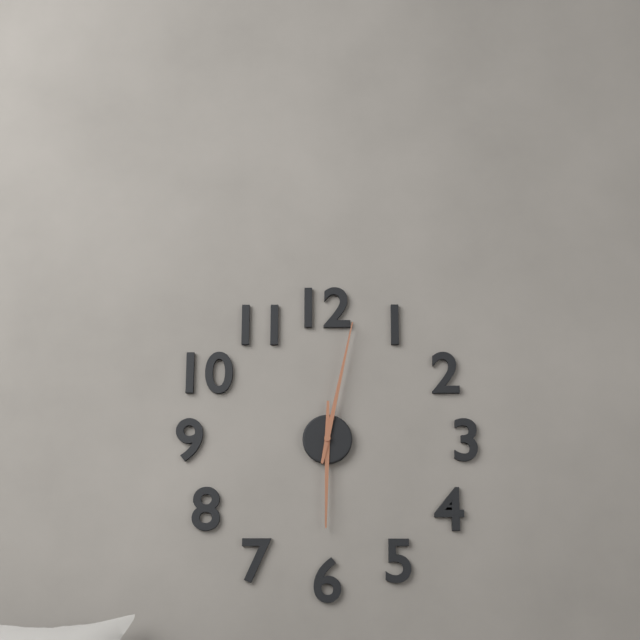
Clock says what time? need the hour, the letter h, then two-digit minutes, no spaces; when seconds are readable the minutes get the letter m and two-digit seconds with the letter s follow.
6h02
